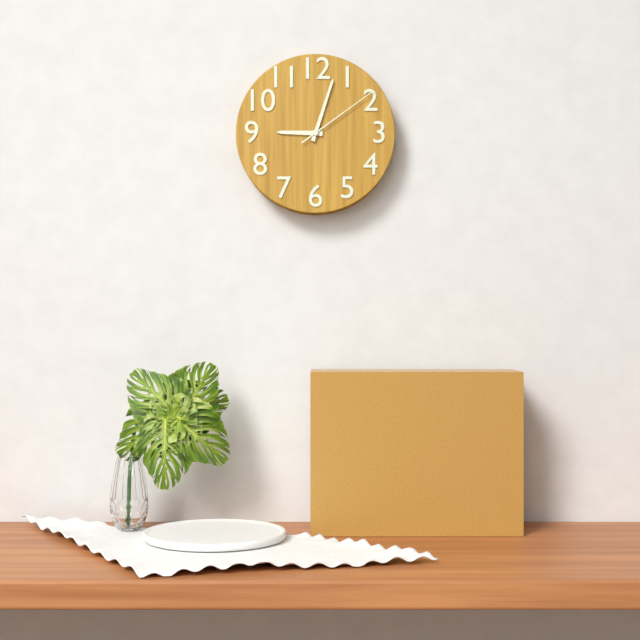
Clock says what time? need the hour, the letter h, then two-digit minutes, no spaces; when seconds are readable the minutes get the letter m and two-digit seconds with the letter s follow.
9h03m09s
